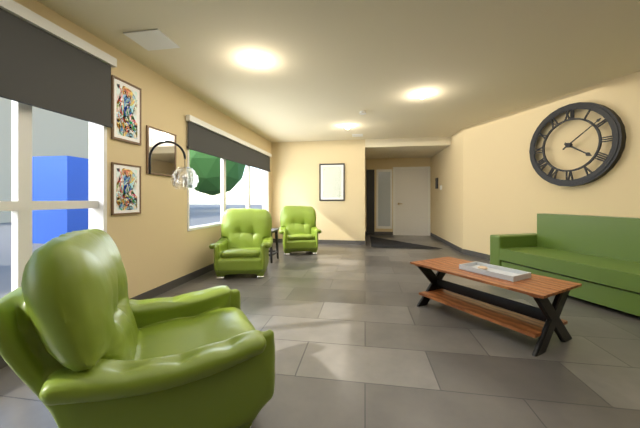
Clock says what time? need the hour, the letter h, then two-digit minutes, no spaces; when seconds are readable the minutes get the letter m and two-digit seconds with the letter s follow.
4h09
